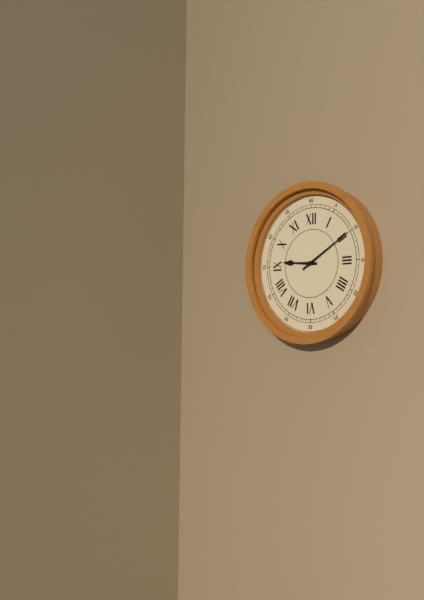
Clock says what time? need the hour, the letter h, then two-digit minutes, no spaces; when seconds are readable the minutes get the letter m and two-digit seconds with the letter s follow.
9h10
